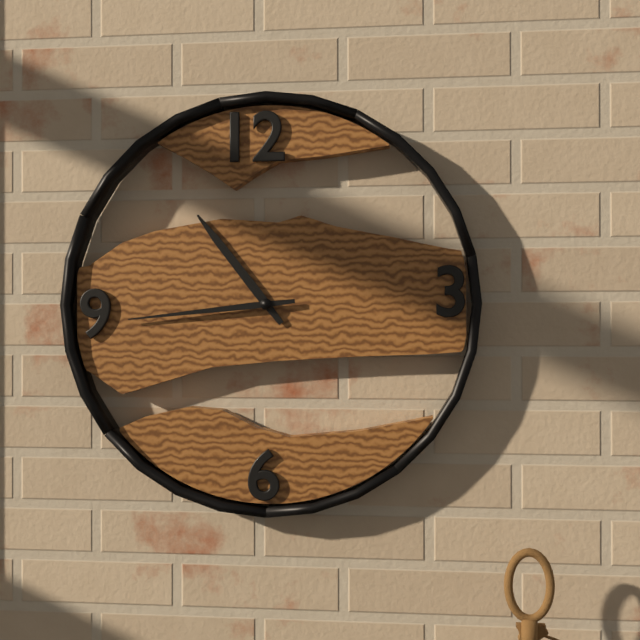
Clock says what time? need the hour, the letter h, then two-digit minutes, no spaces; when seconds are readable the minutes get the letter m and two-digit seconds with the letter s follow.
10h44
